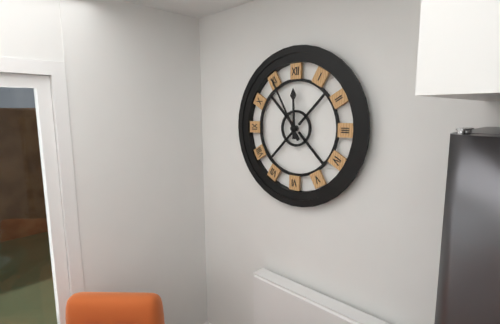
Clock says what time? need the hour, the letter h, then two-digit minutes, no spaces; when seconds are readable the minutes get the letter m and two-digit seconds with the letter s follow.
11h55
